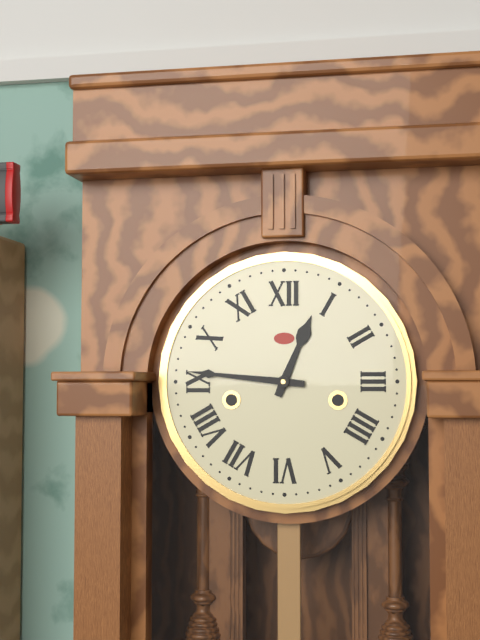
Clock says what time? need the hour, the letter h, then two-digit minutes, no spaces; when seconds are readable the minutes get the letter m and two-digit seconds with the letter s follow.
12h46
